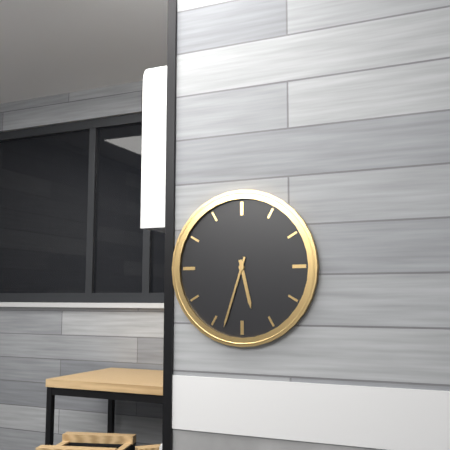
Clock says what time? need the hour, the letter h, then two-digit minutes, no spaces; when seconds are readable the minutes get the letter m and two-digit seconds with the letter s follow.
5h33
